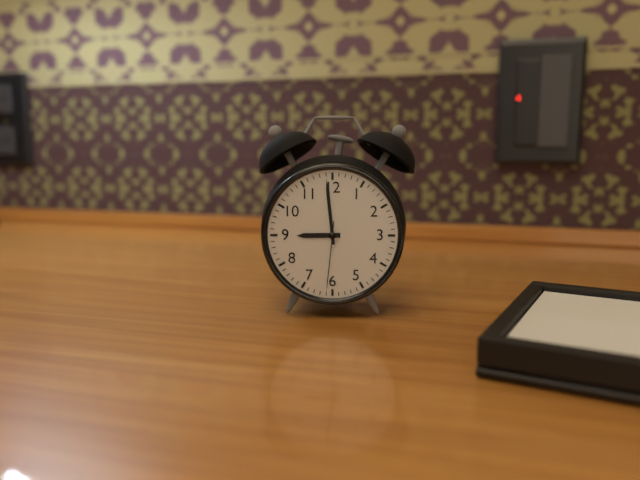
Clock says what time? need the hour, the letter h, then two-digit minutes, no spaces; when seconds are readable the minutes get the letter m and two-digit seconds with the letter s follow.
8h59m31s
